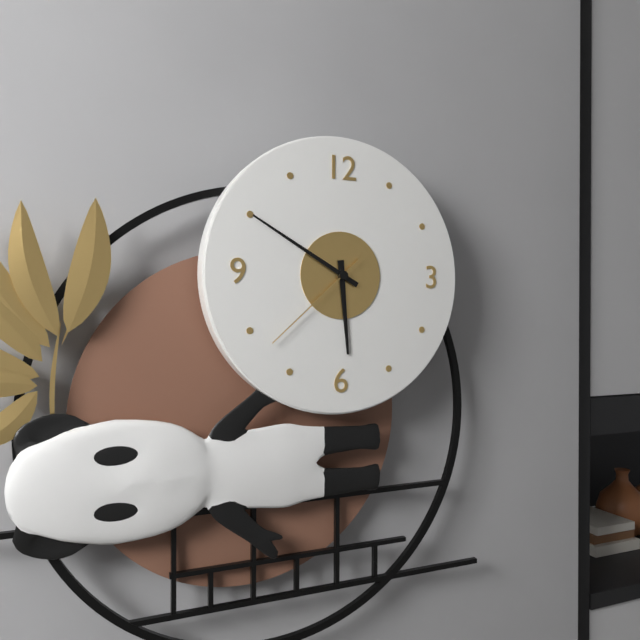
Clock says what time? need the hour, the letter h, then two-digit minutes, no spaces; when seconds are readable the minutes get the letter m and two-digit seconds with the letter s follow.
5h50m38s
